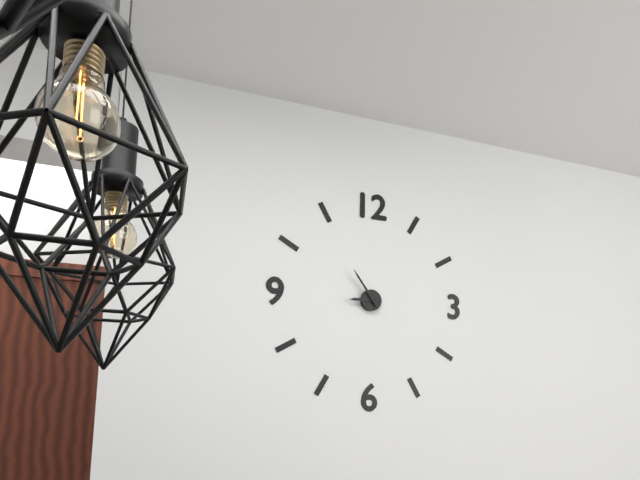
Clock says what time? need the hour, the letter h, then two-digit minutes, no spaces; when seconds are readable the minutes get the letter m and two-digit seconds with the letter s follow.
8h54
